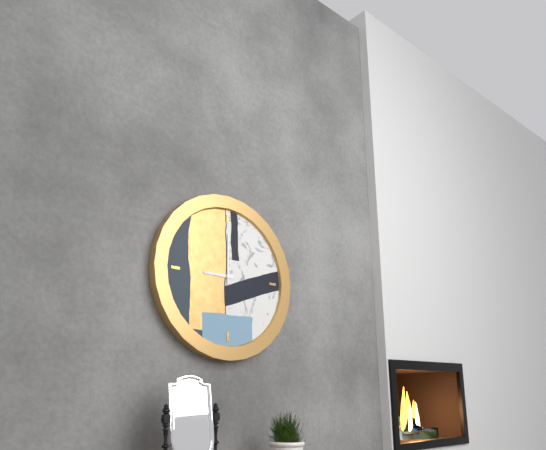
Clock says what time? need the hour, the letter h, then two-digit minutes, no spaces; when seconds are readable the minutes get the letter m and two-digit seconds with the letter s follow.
9h00
